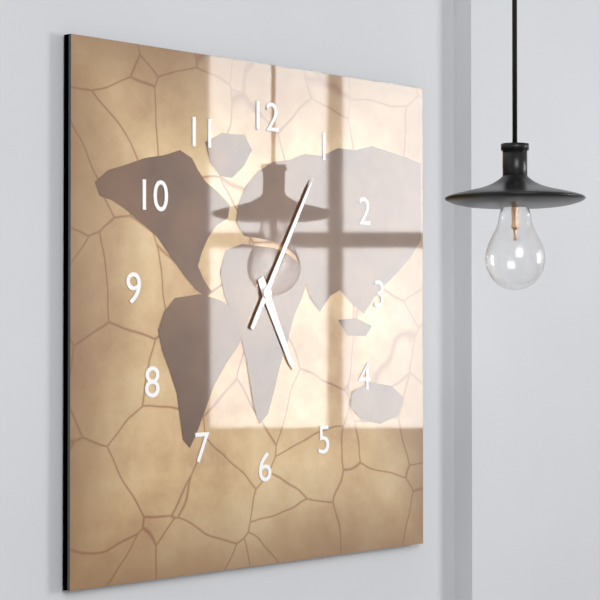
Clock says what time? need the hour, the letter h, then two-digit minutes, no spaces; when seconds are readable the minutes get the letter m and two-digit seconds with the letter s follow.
5h05
